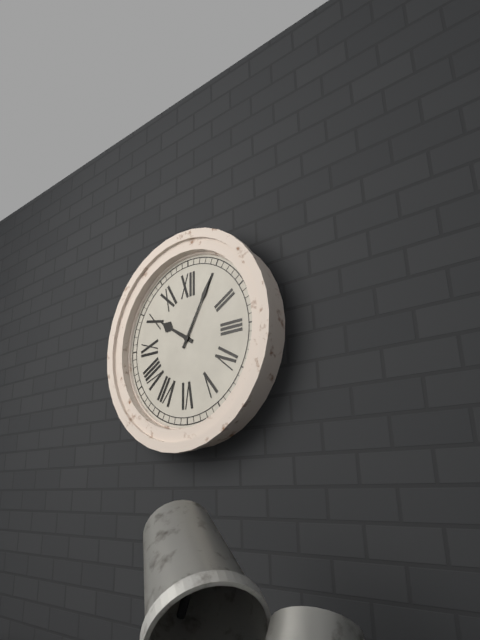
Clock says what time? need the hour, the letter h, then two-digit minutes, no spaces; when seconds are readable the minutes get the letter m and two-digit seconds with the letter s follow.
10h05
